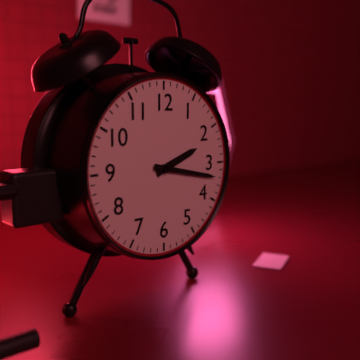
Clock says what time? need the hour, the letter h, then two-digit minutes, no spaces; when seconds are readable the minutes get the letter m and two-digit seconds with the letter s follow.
2h17
